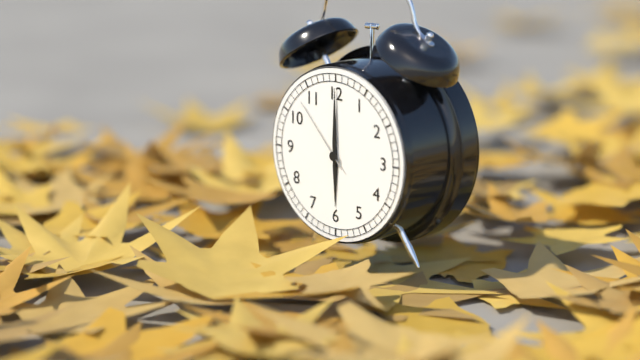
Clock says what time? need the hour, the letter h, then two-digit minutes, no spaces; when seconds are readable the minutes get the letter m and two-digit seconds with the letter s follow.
6h00m53s
